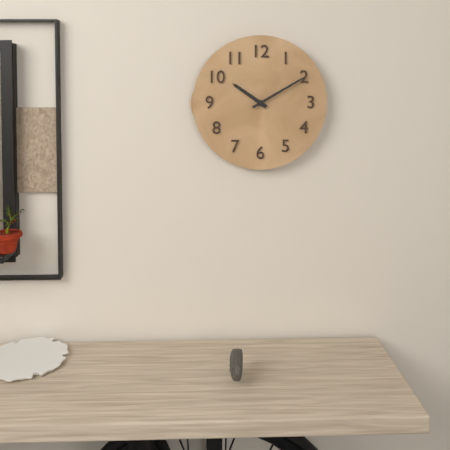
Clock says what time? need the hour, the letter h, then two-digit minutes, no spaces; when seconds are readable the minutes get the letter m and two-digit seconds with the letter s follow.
10h10
